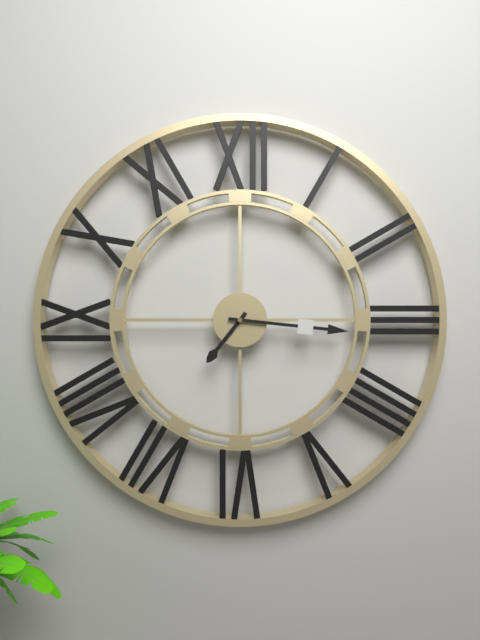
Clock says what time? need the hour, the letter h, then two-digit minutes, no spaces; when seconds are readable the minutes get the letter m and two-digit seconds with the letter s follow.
7h16
